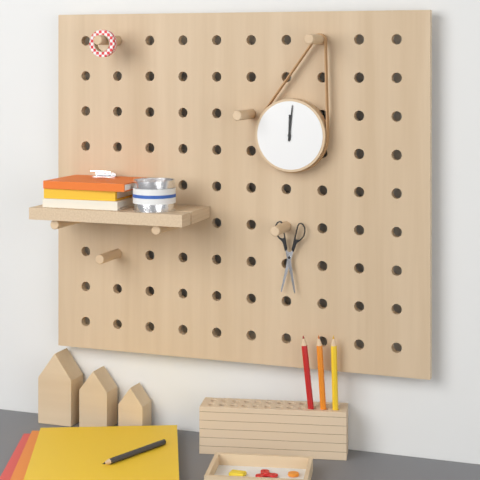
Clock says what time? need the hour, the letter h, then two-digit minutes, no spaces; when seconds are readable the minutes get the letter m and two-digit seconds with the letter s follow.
12h01
